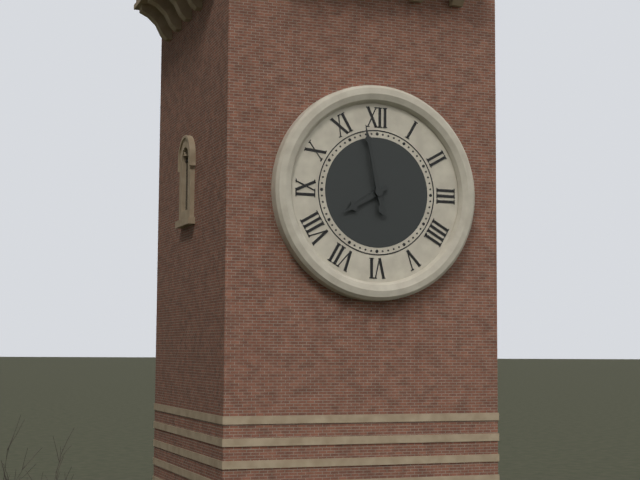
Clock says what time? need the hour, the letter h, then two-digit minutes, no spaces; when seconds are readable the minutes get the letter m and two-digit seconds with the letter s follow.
7h58
